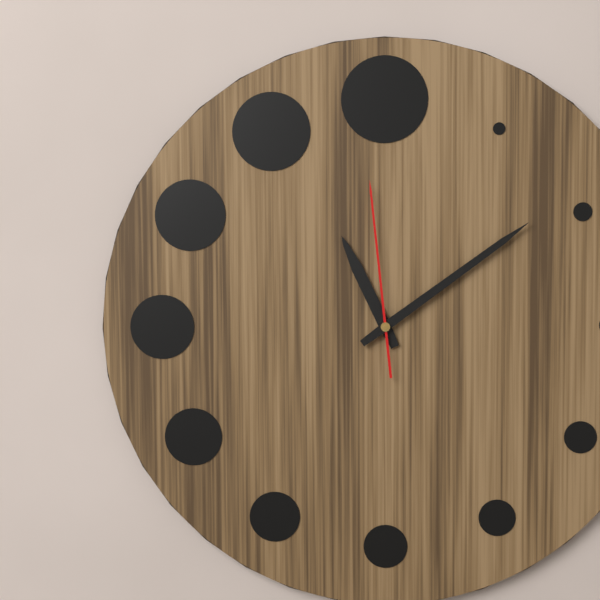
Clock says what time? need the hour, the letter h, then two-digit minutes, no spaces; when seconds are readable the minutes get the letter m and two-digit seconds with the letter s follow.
11h09m59s
